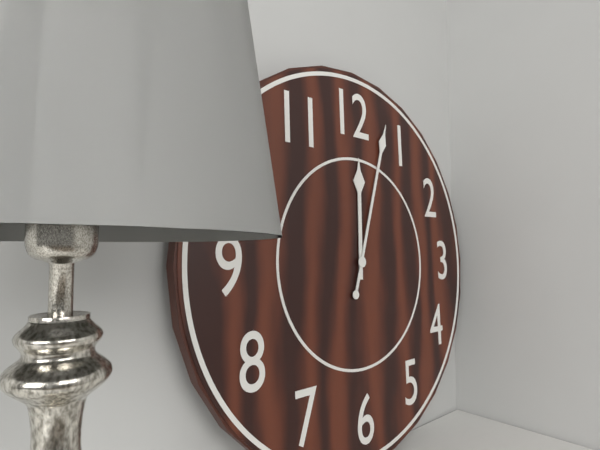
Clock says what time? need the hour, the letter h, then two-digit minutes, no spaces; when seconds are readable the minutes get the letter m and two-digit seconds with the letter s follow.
12h03
